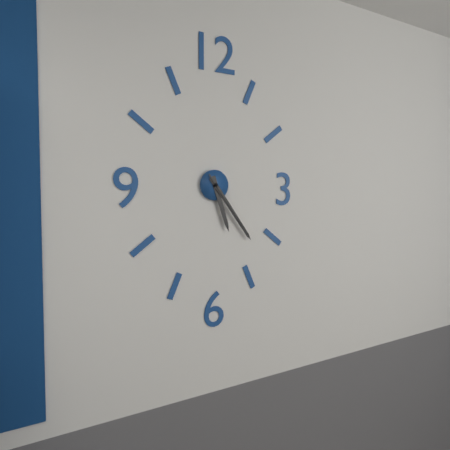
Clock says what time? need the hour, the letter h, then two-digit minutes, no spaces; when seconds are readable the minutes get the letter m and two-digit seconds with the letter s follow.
5h24m24s
